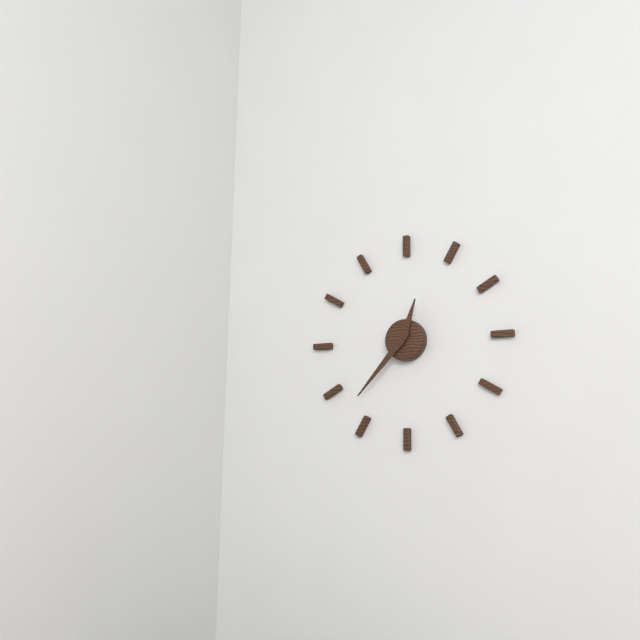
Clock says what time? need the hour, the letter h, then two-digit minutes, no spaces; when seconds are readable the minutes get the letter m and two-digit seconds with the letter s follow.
12h37
